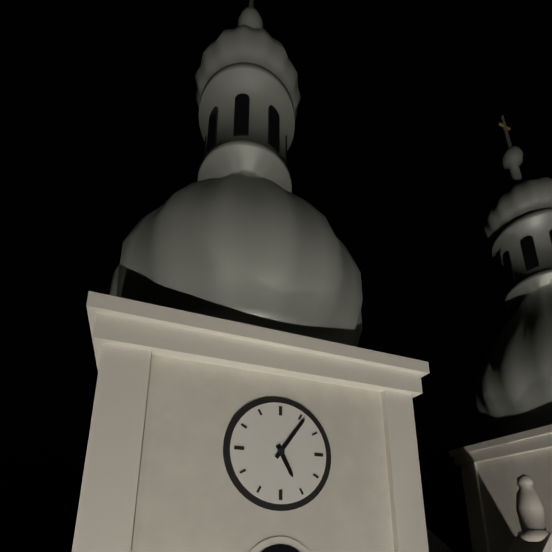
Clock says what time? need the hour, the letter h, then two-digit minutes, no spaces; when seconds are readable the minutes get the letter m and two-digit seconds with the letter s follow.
5h06
